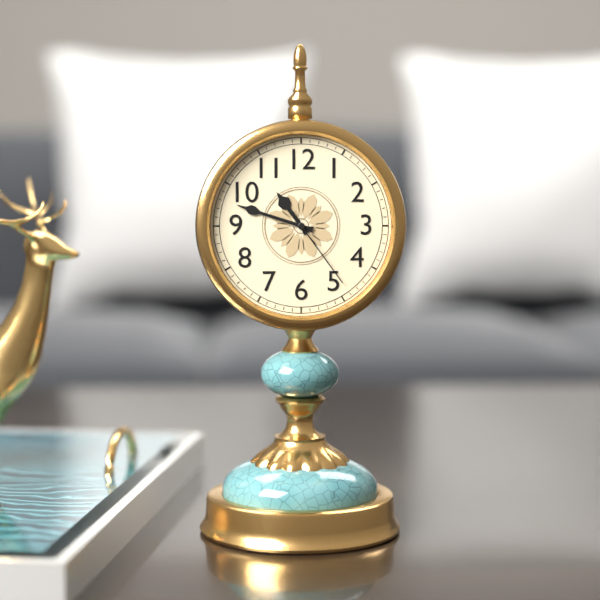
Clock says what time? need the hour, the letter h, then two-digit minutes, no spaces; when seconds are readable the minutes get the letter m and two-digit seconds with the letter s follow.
10h48m24s
